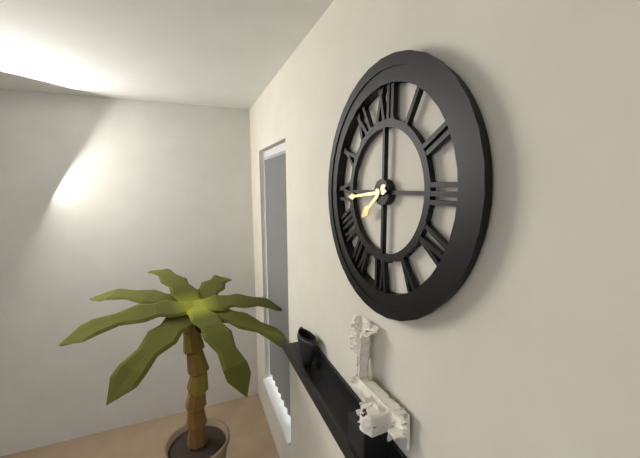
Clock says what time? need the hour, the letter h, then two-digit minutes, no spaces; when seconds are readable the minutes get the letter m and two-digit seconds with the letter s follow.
7h44
